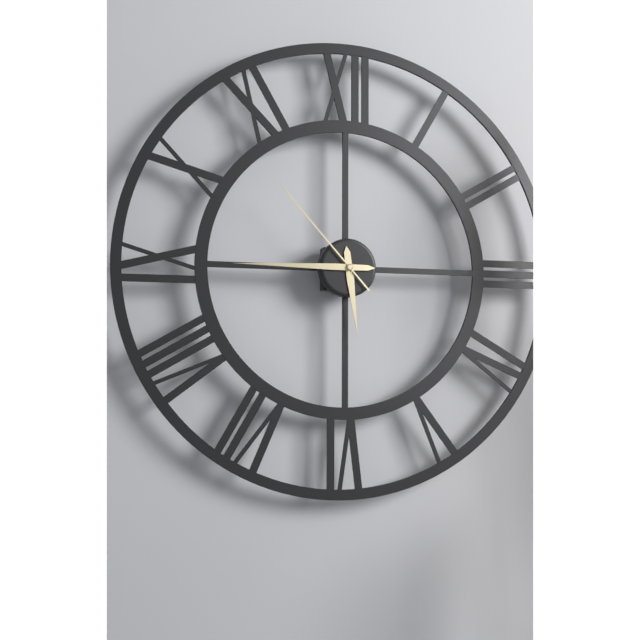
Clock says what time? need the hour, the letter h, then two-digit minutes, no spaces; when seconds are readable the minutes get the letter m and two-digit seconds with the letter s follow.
5h45m53s
